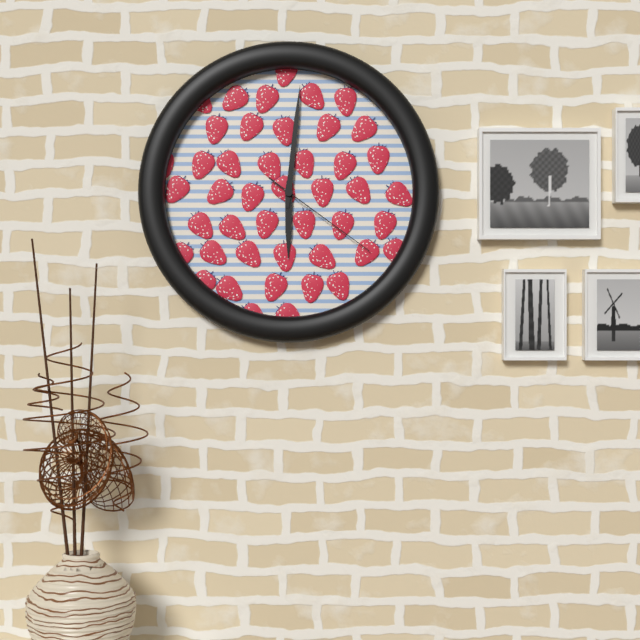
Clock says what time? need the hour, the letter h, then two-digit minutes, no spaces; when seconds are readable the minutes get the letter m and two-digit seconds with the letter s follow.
6h01m21s
